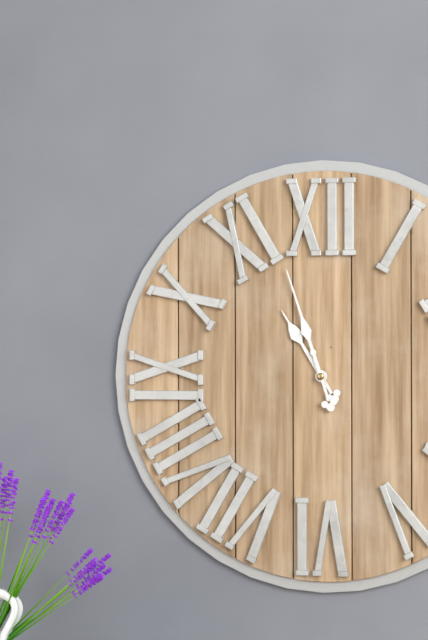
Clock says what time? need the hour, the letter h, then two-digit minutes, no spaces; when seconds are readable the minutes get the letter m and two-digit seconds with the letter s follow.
10h57
